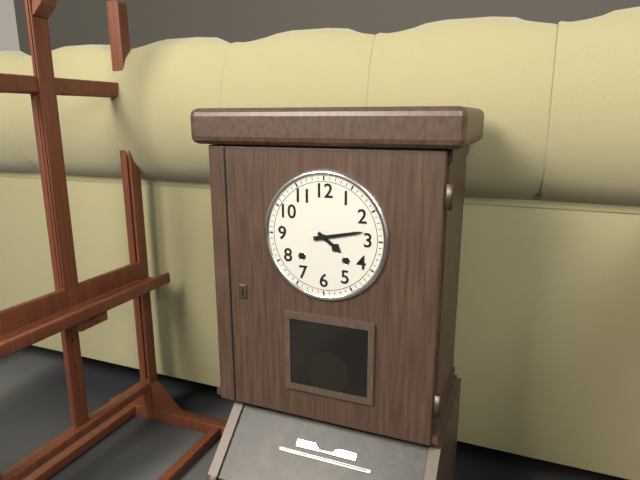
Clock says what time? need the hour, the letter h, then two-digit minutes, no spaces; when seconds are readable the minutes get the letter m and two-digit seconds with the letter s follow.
4h13
